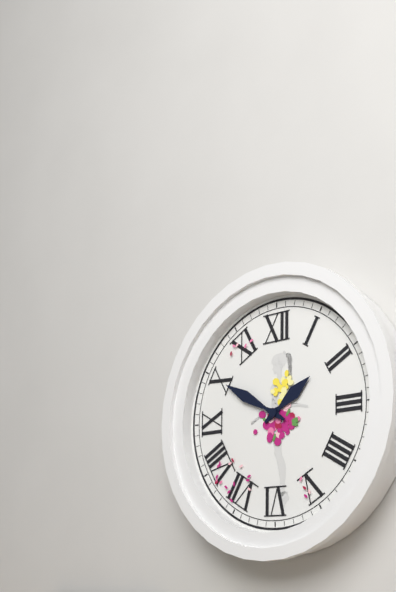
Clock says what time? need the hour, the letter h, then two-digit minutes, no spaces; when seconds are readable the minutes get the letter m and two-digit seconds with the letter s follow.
1h50
